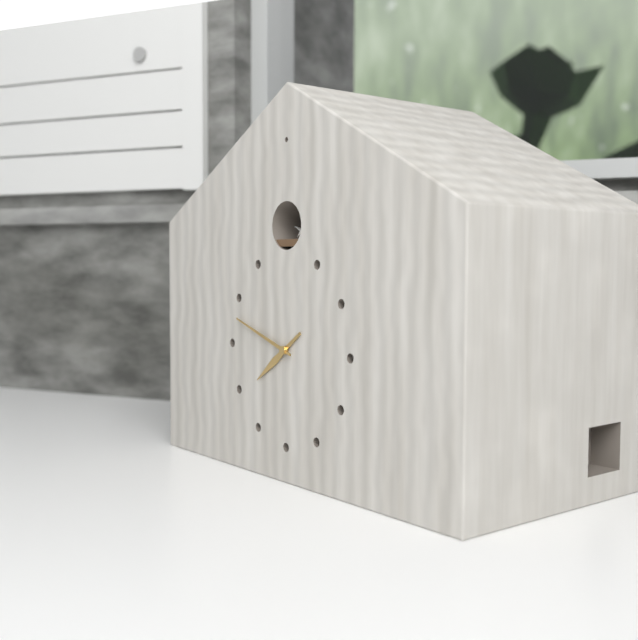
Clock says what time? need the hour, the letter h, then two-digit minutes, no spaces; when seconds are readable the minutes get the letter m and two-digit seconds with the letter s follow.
7h48
